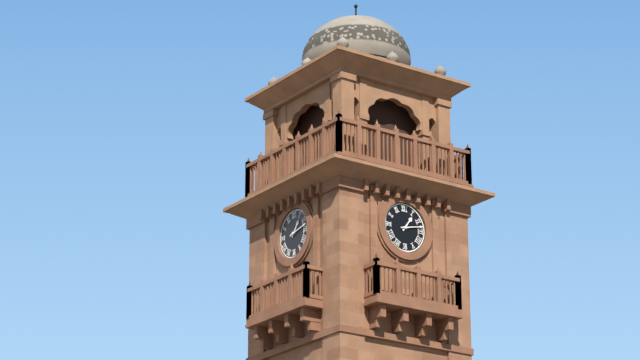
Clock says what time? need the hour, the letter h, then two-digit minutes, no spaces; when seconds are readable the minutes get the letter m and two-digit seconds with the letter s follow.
1h13
